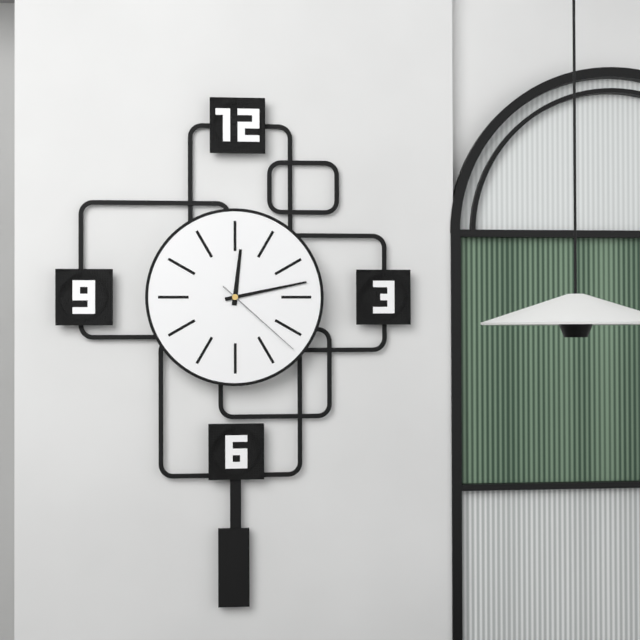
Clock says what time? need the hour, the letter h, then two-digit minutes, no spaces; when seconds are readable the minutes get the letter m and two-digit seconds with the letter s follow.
12h13m22s
